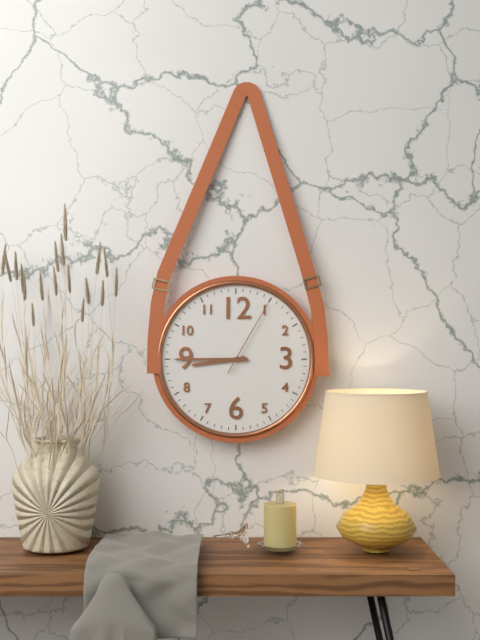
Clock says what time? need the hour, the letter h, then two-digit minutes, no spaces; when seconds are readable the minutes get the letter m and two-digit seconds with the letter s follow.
8h45m05s
